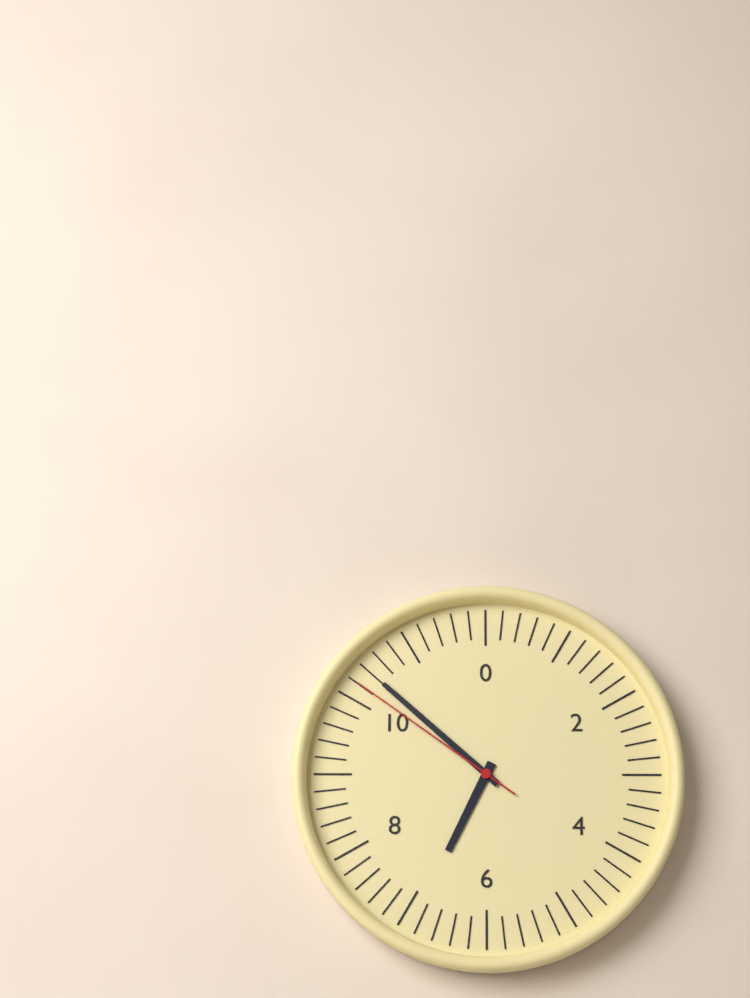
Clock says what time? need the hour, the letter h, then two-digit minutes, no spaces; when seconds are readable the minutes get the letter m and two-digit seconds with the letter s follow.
6h52m51s
